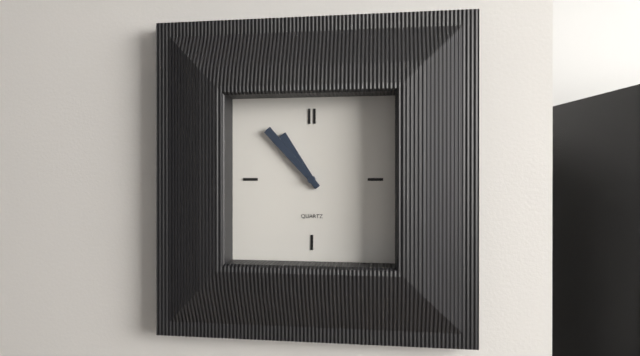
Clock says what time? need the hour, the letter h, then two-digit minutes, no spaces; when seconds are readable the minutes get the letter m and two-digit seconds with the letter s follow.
10h53
